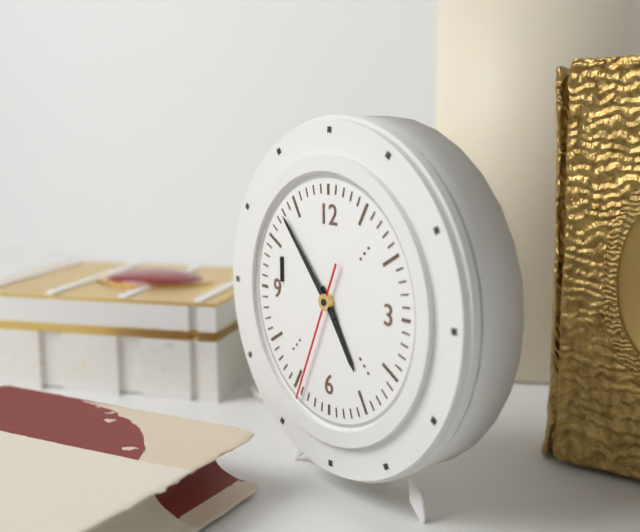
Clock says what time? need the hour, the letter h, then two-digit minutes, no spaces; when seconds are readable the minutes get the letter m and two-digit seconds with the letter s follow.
4h53m34s
